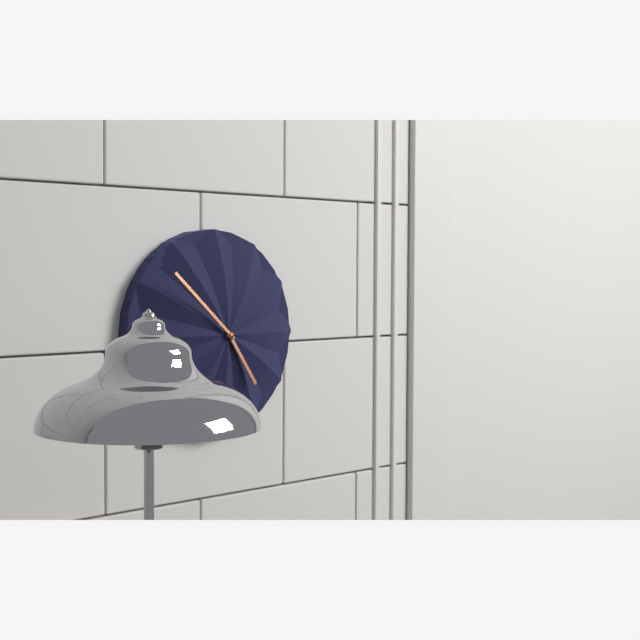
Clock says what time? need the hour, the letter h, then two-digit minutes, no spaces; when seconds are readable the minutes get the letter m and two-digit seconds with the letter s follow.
4h52
